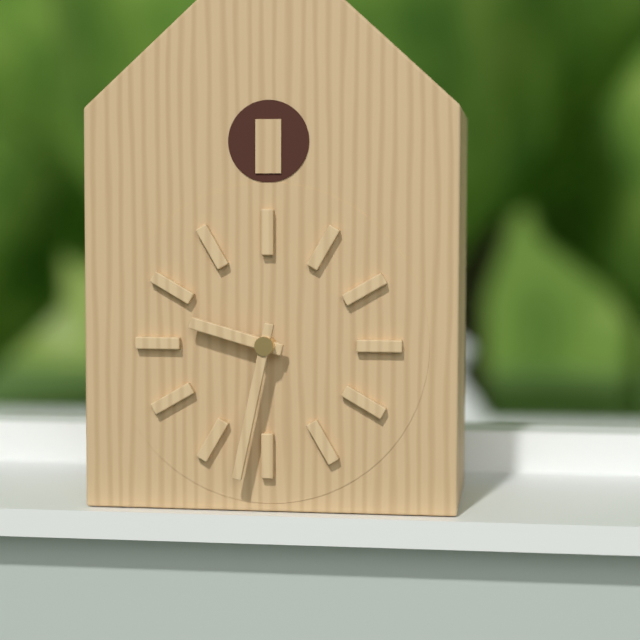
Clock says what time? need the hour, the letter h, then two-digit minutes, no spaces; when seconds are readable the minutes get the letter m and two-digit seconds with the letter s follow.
9h32
